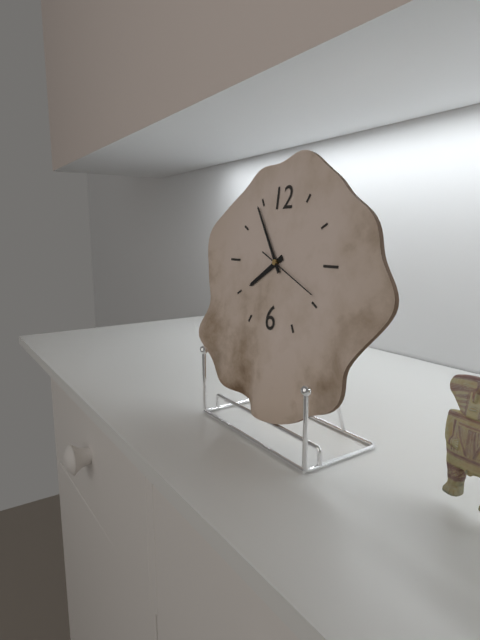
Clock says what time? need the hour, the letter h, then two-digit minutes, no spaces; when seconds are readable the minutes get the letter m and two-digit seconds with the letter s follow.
7h54m19s
